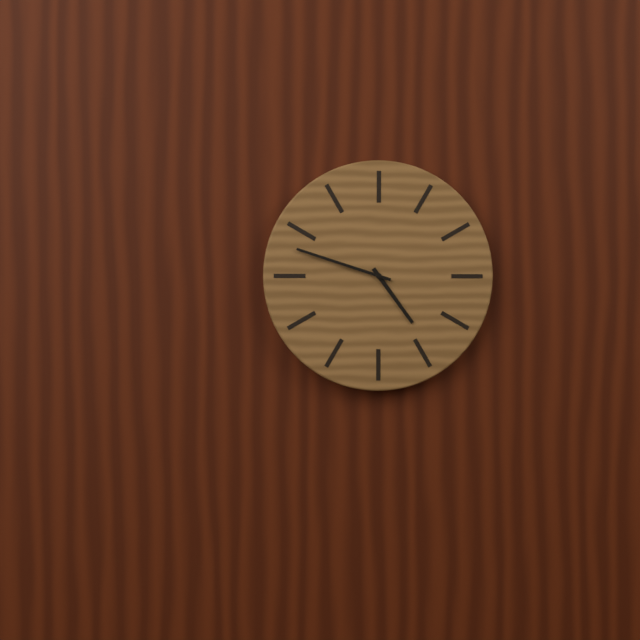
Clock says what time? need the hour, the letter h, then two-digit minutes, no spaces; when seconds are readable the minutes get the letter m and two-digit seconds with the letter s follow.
4h48
